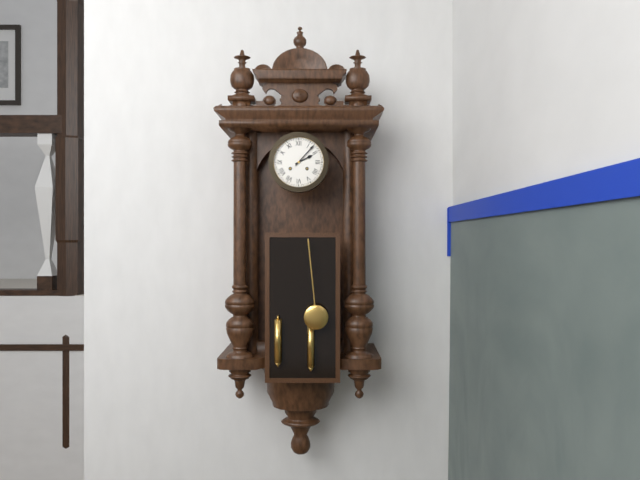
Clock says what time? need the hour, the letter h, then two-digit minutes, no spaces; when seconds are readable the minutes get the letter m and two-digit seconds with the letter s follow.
2h07
